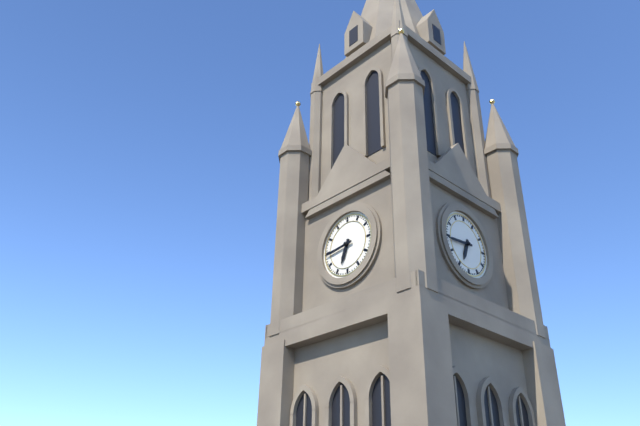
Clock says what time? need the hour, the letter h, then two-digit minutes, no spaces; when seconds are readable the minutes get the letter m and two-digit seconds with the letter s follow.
6h44
